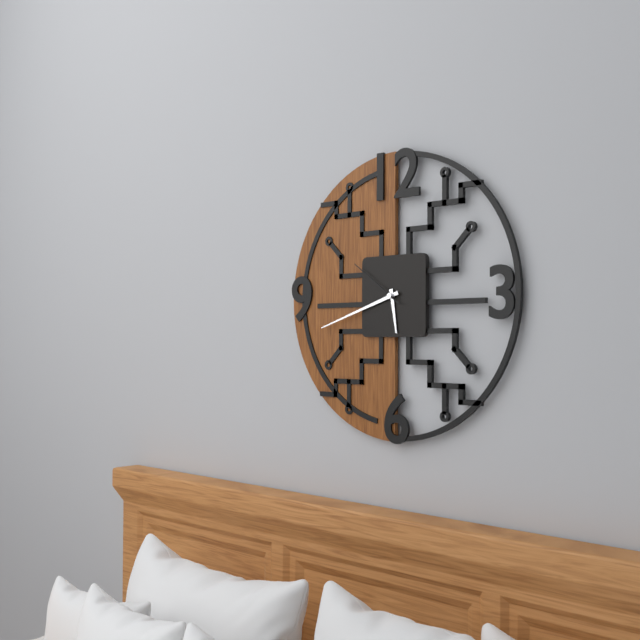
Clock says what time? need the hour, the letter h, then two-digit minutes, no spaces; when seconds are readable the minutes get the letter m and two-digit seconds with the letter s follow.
5h42m51s
